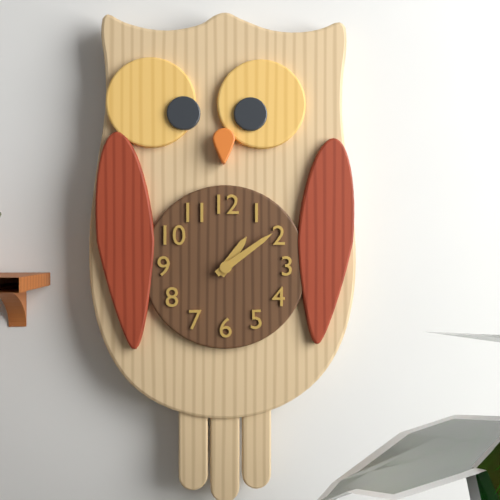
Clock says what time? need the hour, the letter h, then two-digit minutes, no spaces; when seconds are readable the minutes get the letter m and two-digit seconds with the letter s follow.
1h09
